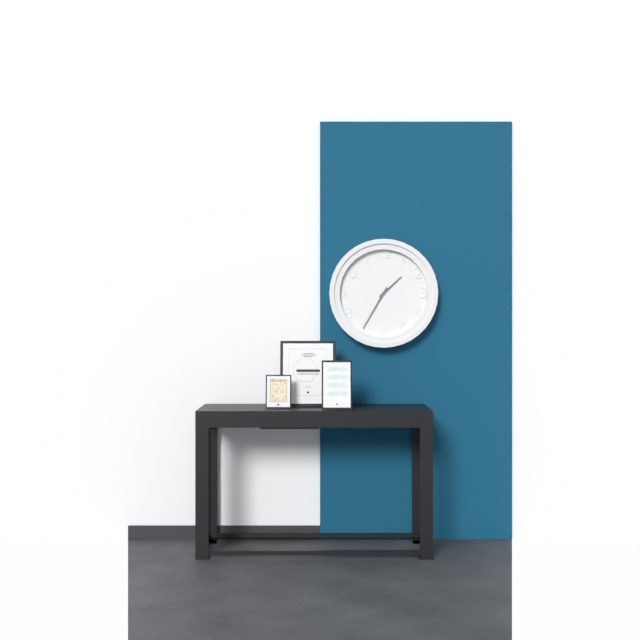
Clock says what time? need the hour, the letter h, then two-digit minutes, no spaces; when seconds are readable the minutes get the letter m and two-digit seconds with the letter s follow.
1h35
